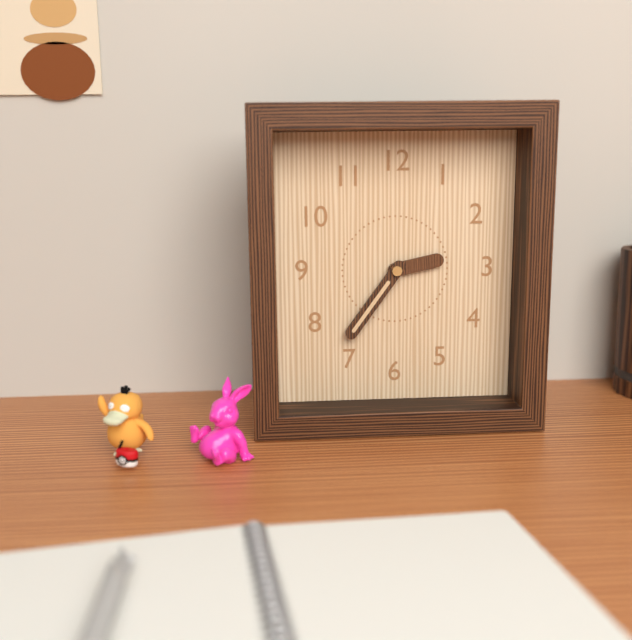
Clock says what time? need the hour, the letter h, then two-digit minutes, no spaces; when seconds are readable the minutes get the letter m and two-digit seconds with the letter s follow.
2h36
